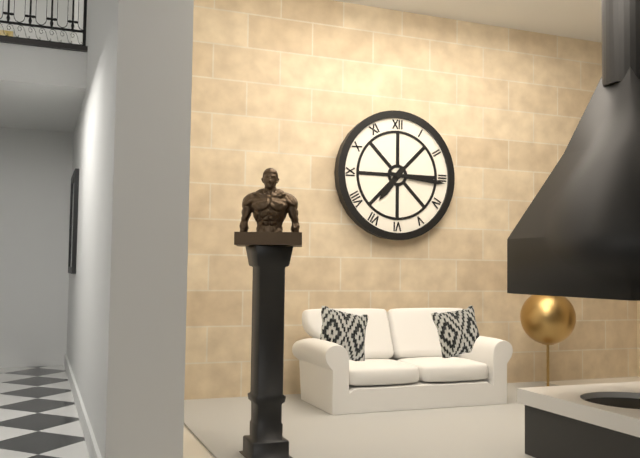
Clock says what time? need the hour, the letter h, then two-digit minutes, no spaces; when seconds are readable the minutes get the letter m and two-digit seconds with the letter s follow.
7h16
